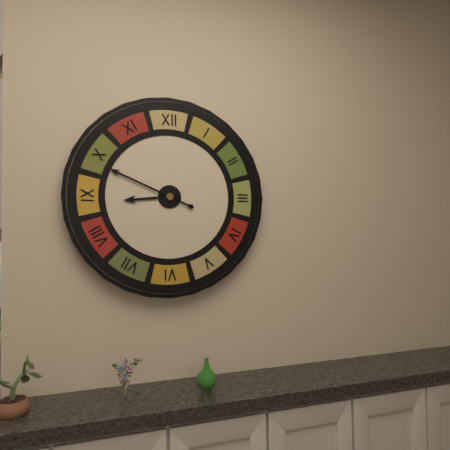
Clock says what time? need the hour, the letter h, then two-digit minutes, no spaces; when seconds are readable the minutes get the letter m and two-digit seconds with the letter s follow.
8h49
